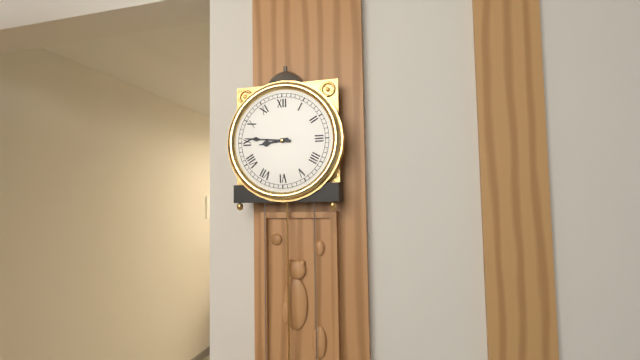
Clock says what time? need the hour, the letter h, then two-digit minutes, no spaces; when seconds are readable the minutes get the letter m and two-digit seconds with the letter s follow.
8h46
